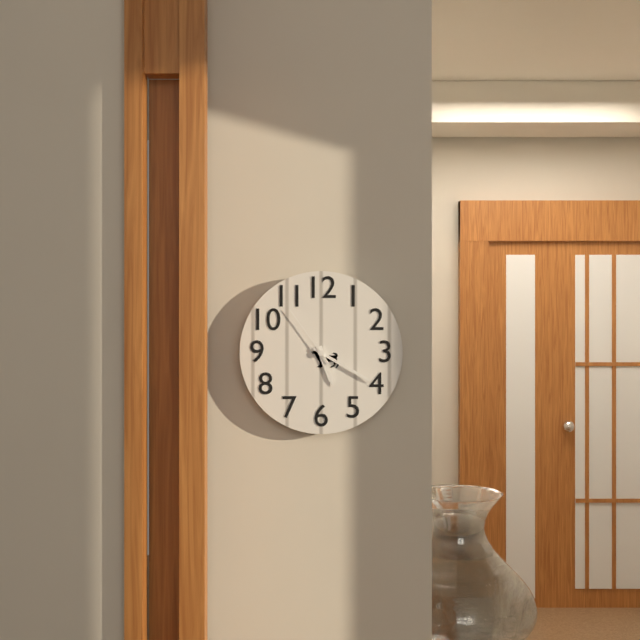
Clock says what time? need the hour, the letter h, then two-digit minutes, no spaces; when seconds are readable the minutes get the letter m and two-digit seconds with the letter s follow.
5h20m54s
